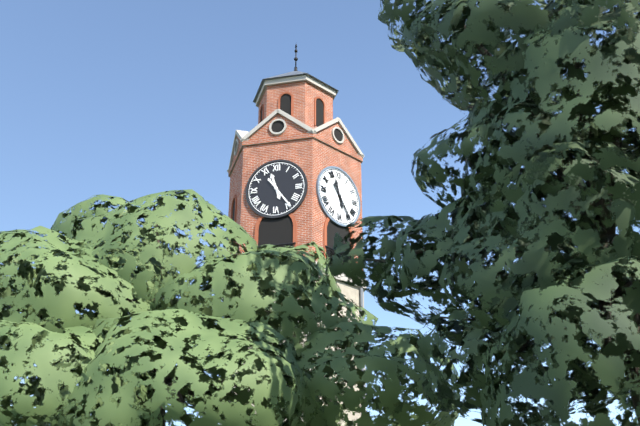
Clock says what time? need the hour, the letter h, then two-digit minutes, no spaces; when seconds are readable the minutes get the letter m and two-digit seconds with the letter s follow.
11h24
